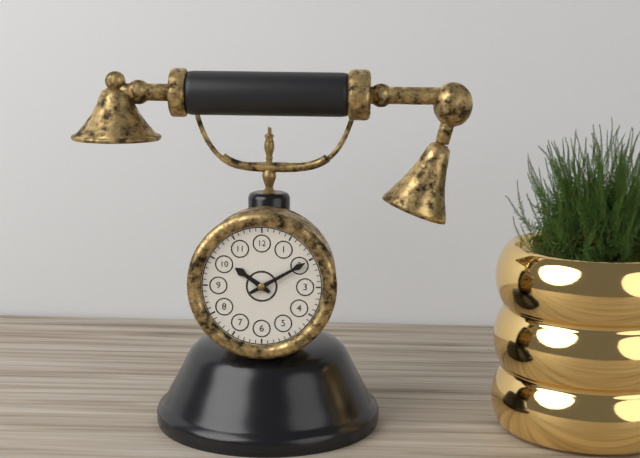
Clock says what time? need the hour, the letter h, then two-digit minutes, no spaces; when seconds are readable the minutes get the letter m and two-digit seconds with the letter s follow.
10h10
